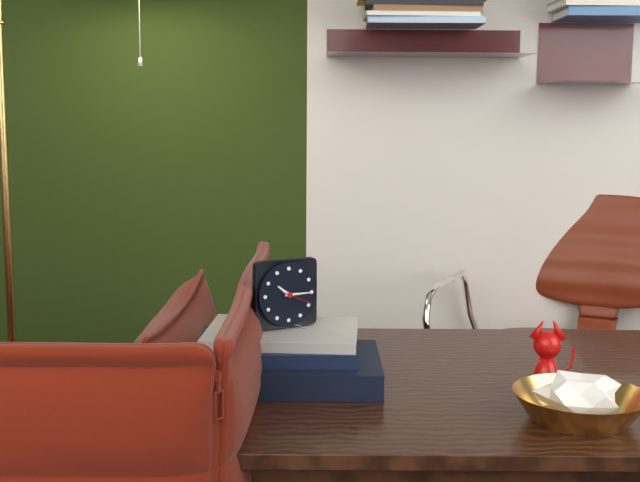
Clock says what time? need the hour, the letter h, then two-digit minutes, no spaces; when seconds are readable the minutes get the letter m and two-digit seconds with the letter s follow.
10h15
